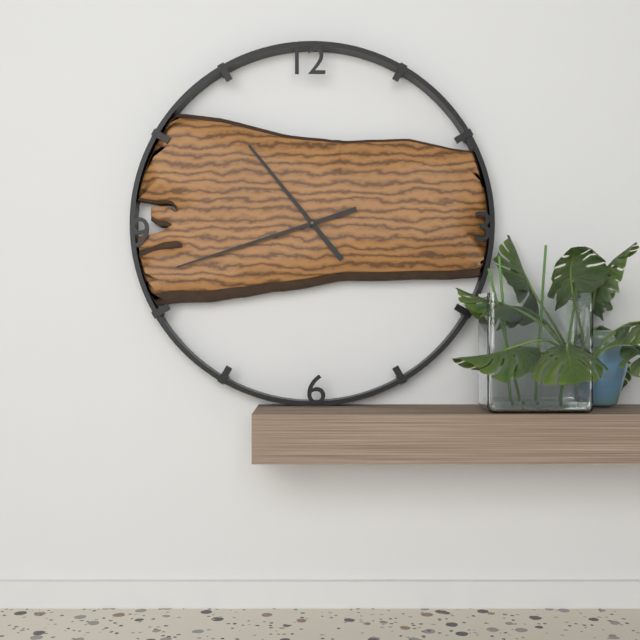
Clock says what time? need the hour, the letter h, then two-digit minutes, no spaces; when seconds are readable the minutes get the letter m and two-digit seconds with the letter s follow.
10h42
